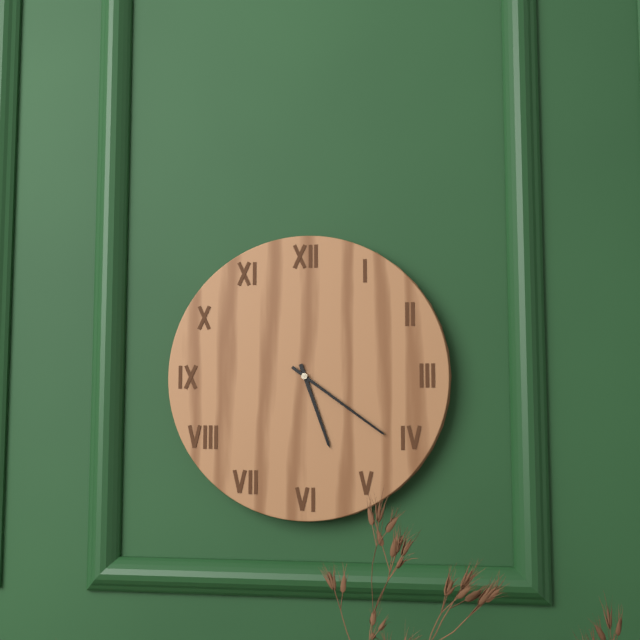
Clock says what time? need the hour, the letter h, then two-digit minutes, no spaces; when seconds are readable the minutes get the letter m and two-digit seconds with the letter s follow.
5h21
